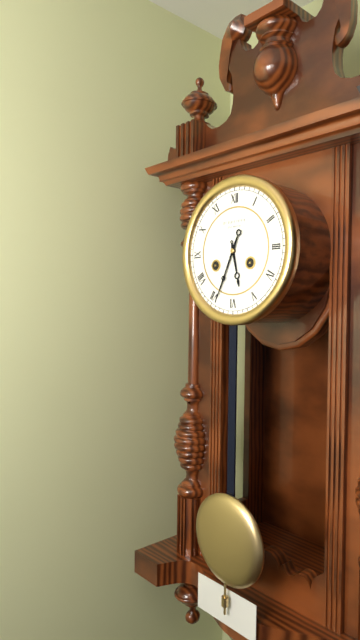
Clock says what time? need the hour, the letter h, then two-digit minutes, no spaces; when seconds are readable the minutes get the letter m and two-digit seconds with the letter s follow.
5h34
